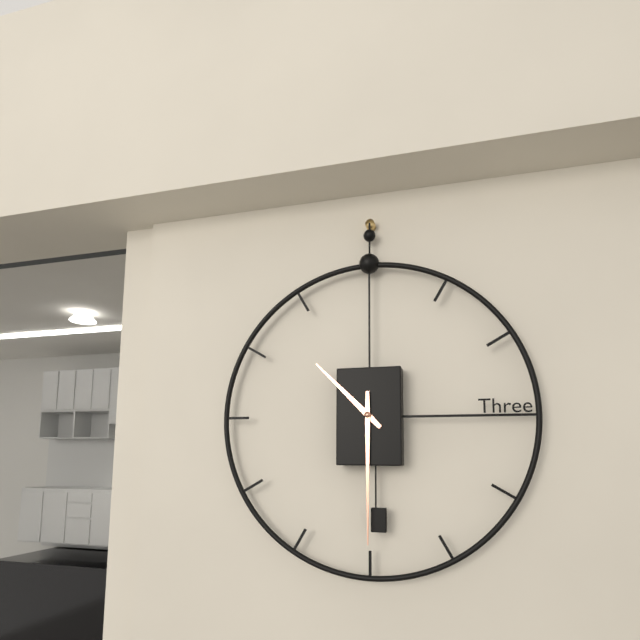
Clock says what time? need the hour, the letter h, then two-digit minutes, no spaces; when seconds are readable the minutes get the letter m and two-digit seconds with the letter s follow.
10h30
